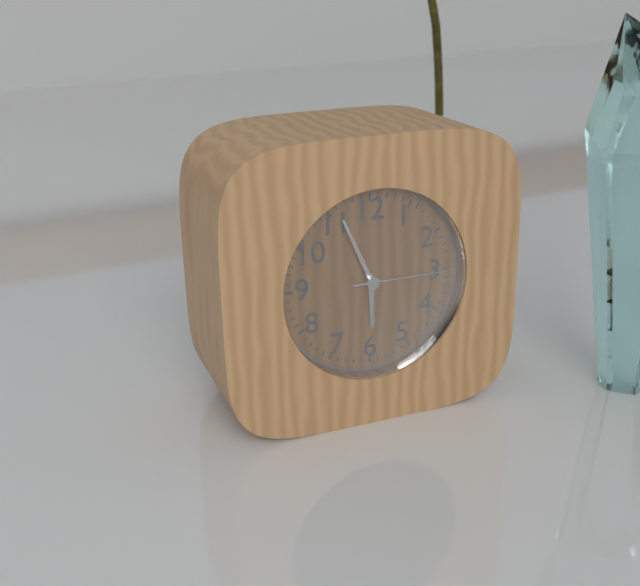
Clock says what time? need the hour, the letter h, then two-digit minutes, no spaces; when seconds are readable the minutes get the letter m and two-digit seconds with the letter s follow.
5h56m15s
